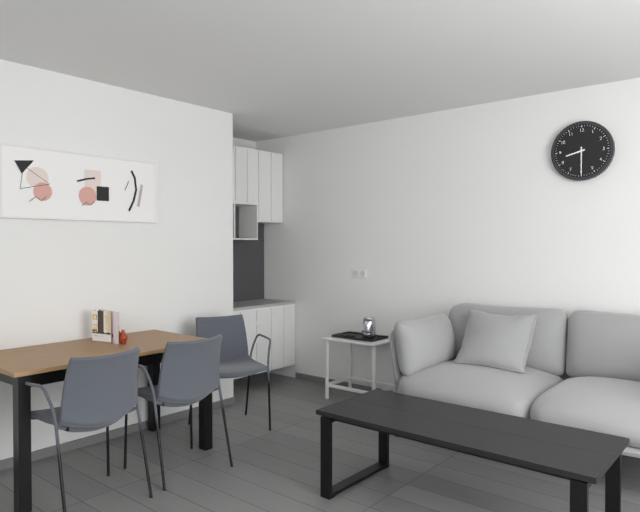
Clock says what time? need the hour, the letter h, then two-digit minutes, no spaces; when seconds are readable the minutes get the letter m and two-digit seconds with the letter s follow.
8h30
